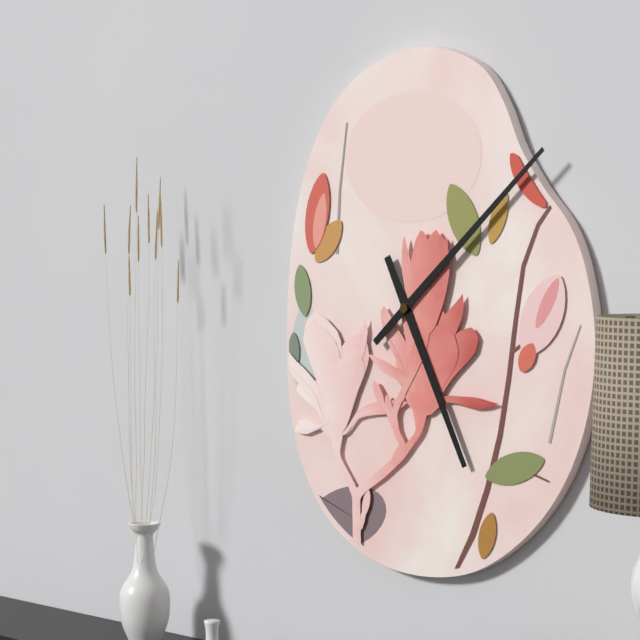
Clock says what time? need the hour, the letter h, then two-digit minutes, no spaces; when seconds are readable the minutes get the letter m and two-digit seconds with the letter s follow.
5h08
